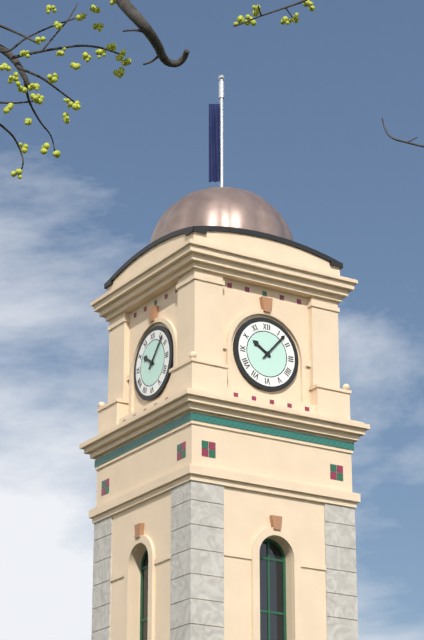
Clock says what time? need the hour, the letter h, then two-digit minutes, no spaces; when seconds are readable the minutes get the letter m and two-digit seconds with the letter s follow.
10h07
